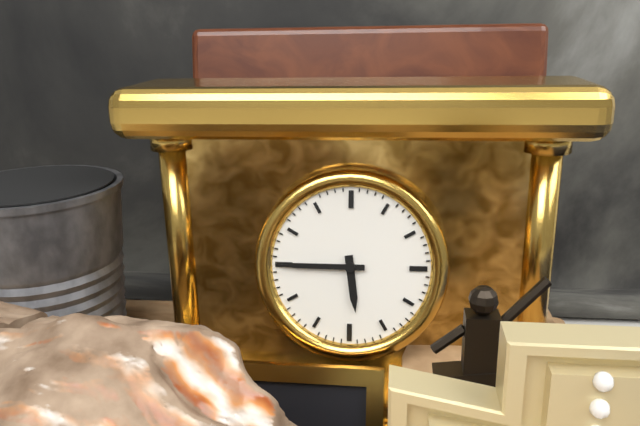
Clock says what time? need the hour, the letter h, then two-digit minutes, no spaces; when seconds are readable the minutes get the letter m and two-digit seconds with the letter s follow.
5h45
